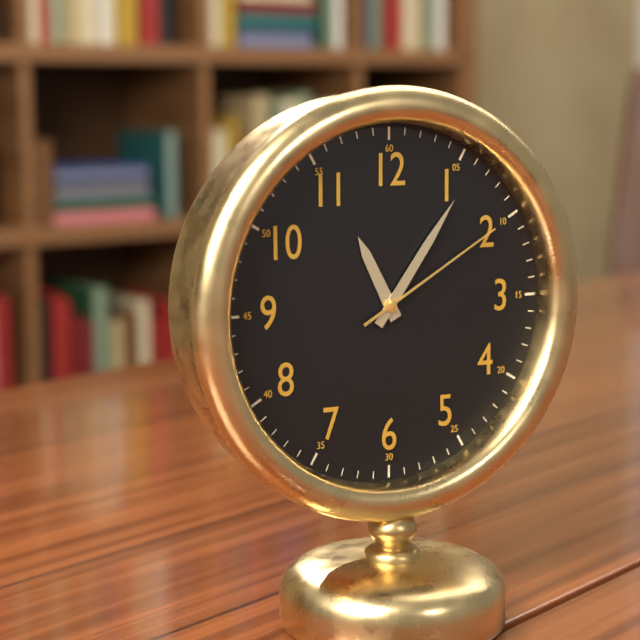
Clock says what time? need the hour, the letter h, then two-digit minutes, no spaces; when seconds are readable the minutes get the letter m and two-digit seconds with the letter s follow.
11h06m10s
